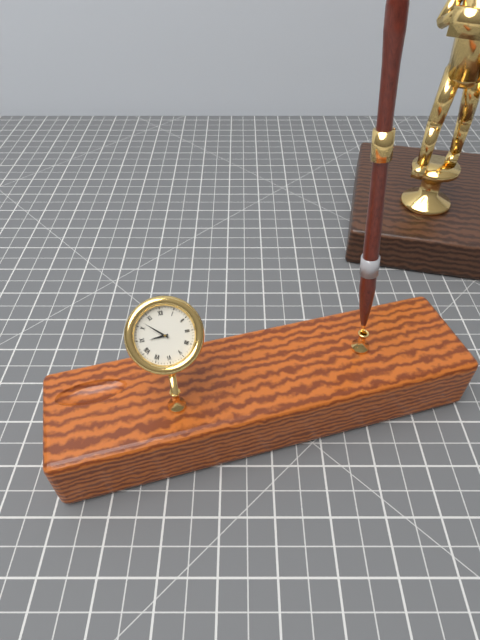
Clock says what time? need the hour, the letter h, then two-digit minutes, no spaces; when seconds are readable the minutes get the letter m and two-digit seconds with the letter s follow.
8h52
